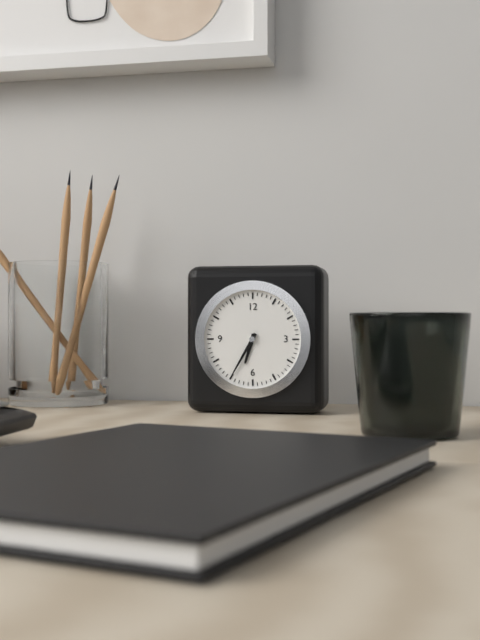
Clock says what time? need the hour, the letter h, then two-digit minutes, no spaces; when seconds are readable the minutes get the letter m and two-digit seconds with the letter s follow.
6h35
